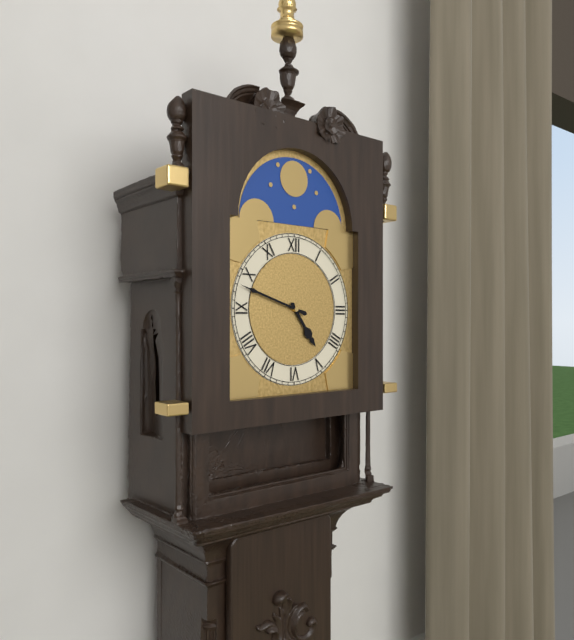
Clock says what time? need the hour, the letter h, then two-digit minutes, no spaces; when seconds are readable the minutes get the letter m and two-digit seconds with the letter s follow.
4h48
